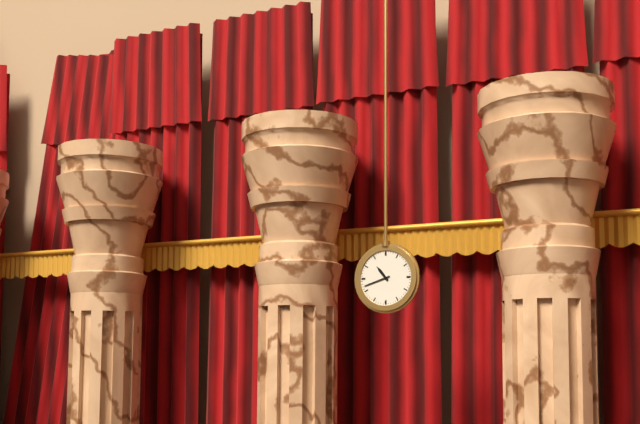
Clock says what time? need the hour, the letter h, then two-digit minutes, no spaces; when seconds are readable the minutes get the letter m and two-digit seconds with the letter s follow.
10h42
